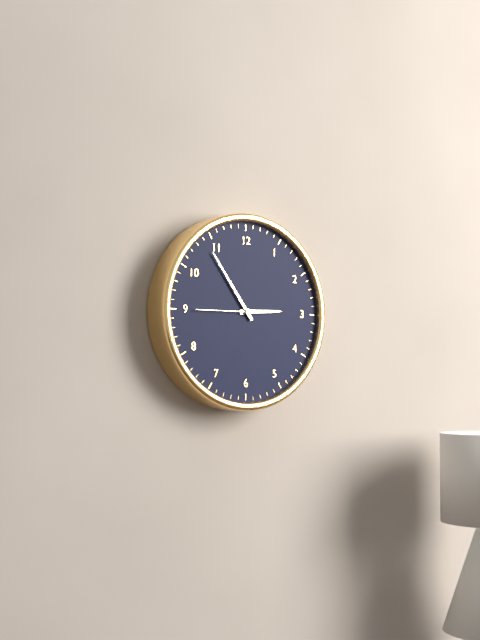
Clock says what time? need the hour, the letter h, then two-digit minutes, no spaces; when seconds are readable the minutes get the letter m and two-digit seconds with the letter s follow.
2h54m45s
